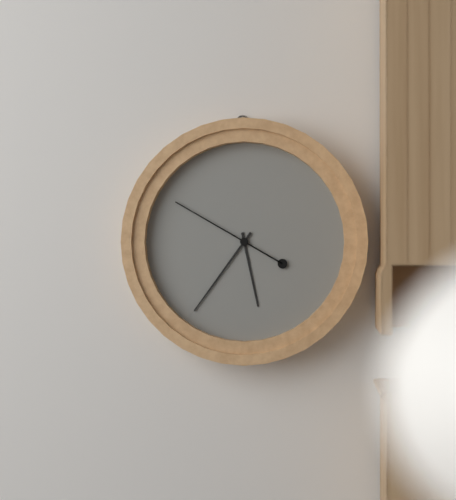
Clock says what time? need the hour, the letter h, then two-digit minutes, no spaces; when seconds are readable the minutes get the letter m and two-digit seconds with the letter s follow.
5h36m50s
